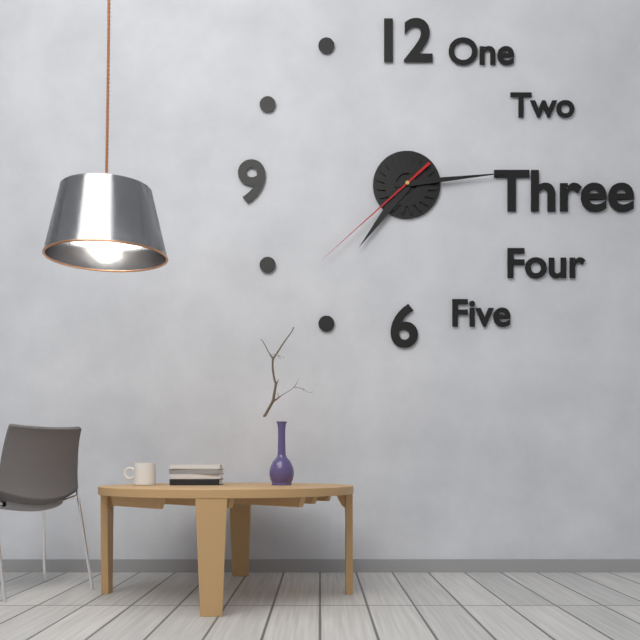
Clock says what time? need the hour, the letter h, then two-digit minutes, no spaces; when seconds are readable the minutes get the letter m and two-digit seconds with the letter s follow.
7h14m38s
